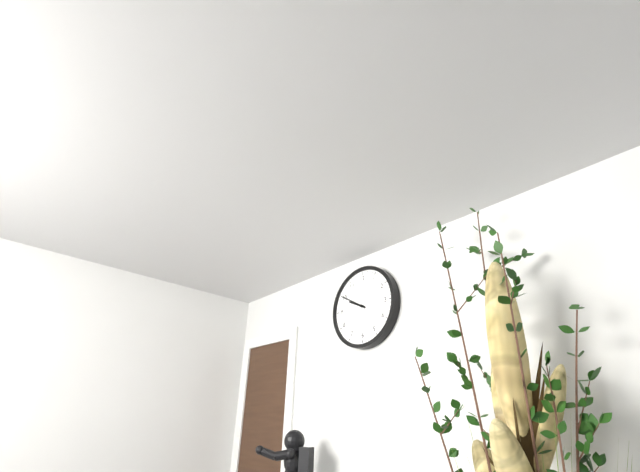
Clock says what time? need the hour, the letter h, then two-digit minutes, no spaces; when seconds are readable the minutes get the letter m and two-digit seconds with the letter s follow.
9h50
